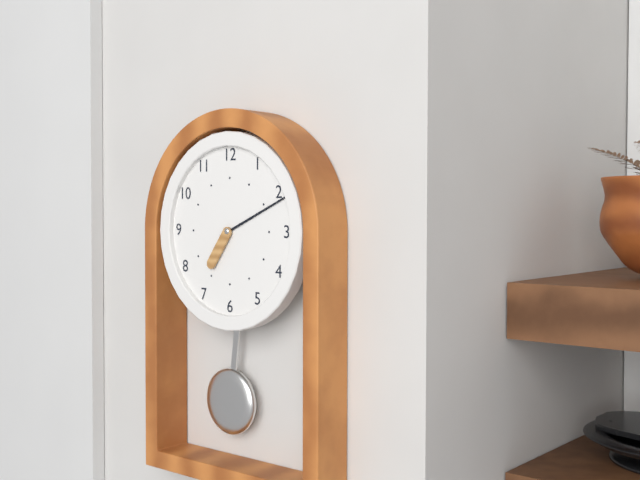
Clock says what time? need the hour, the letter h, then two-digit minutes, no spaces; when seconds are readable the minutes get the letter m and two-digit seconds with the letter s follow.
7h11
